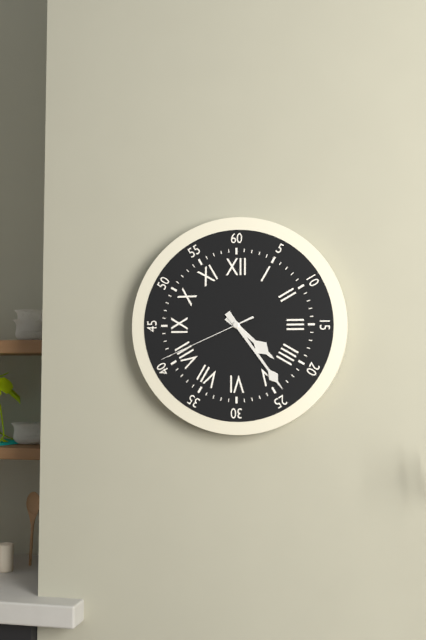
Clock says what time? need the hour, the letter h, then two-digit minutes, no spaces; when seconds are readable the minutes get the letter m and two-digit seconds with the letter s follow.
4h24m41s
